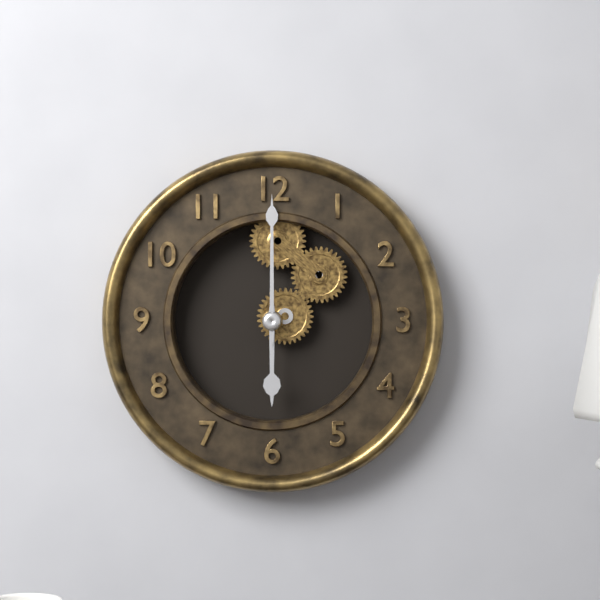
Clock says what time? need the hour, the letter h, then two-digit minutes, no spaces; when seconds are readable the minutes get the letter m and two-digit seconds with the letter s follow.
6h00
